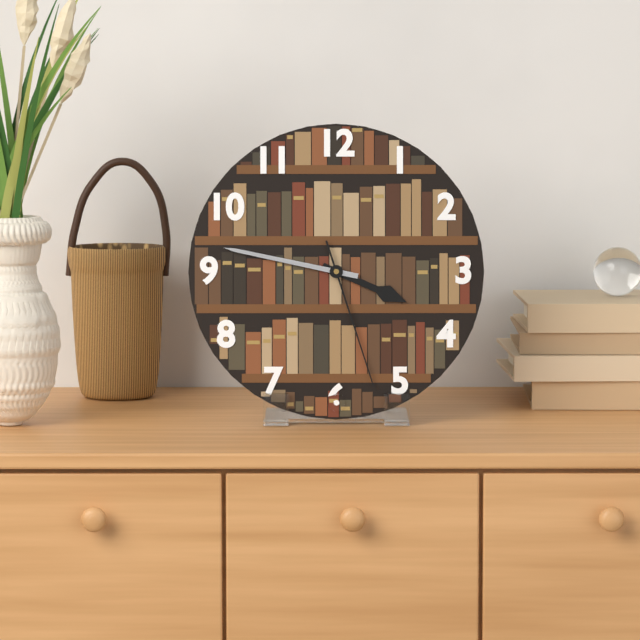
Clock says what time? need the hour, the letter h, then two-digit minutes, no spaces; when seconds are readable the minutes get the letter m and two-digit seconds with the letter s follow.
3h47m27s
